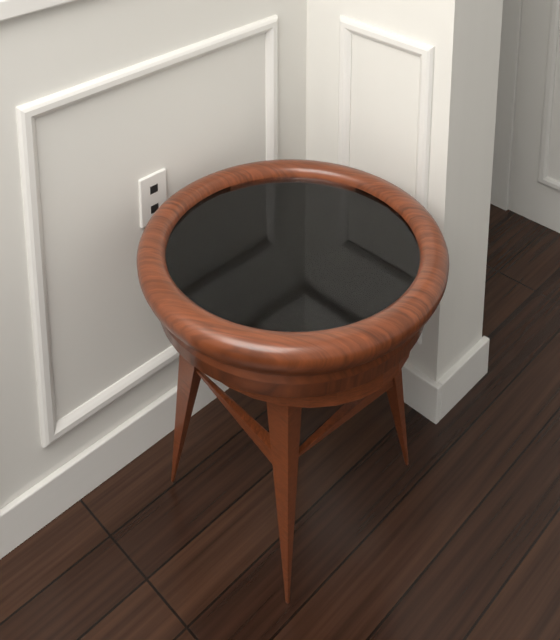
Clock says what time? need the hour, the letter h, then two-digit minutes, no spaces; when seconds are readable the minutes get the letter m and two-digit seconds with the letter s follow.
1h24
